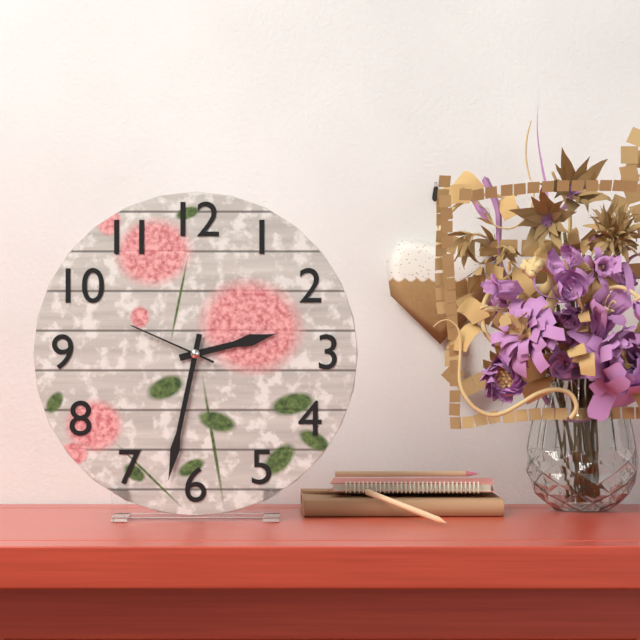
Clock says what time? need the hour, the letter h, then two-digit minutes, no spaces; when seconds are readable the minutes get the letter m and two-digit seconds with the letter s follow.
2h32m49s
